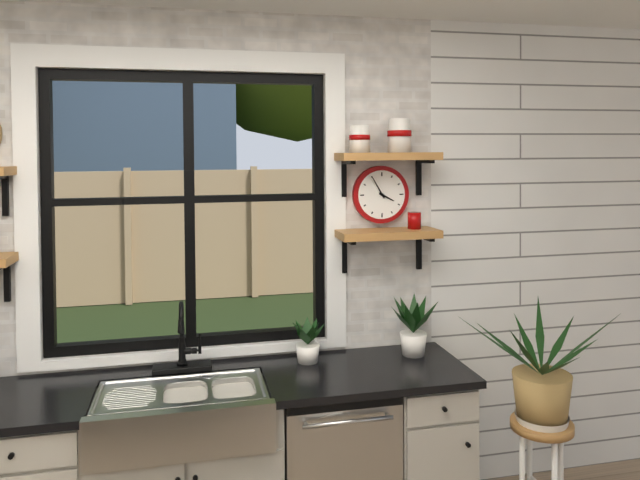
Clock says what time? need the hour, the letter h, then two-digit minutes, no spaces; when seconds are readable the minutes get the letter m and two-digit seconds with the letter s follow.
3h55
